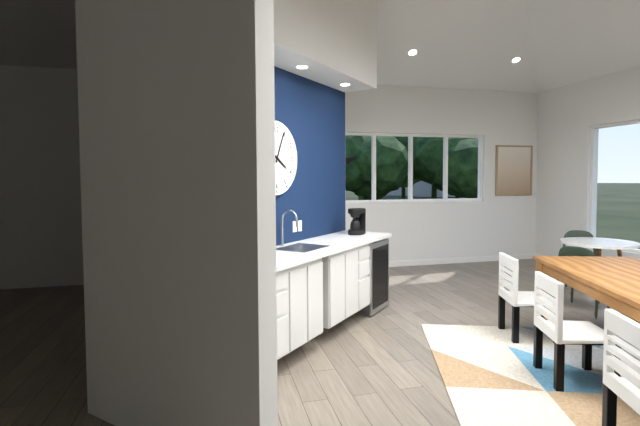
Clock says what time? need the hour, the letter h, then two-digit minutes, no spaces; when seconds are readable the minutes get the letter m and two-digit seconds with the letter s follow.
4h04
